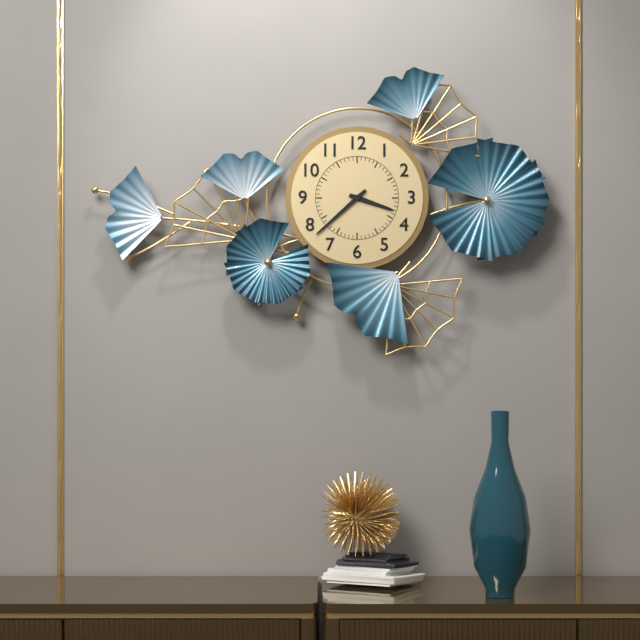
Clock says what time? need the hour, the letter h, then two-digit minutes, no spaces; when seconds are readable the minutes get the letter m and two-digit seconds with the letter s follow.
3h38
